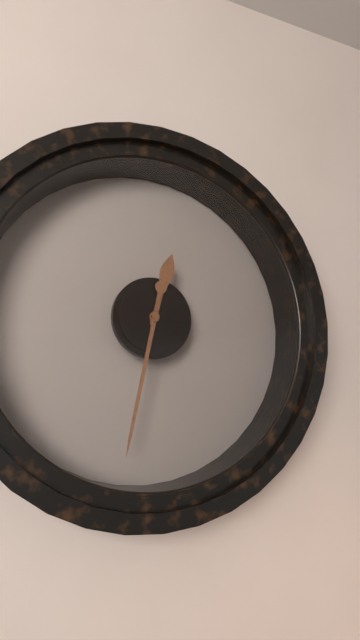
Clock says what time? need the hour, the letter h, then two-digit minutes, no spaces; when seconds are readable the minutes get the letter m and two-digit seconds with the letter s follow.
12h32
